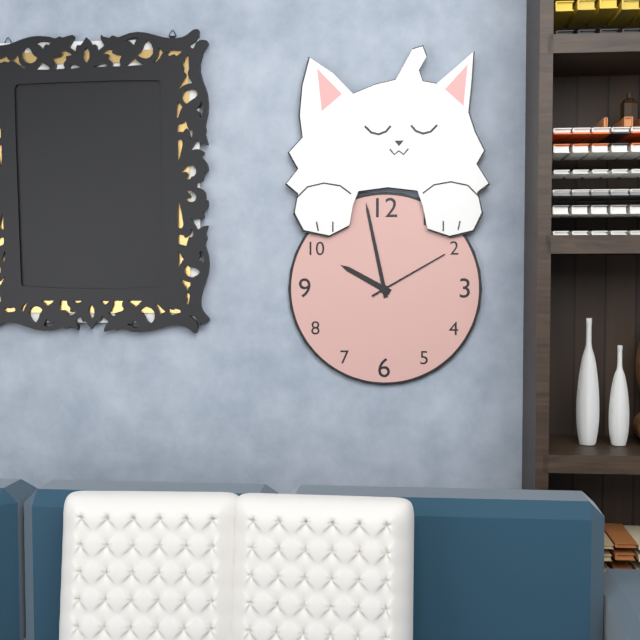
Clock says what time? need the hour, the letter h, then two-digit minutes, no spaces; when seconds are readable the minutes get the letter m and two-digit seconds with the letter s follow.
9h58m10s
